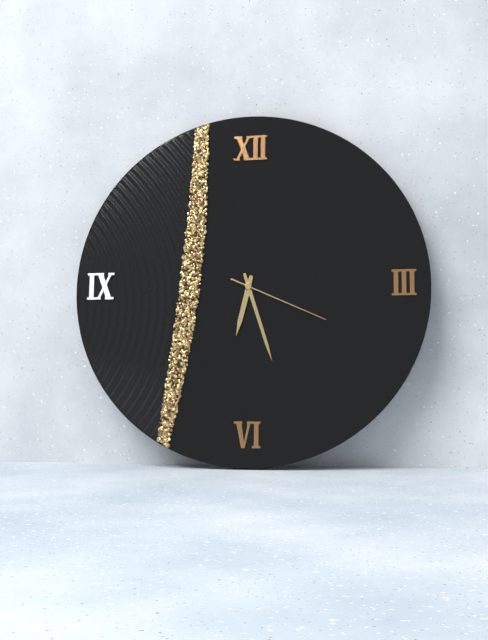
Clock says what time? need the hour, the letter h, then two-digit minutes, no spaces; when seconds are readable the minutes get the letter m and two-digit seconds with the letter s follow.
6h27m19s
